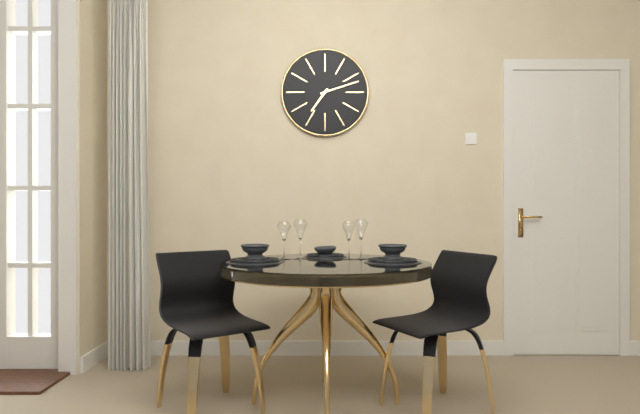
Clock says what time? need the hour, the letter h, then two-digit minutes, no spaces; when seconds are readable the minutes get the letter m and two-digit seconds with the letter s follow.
7h12
